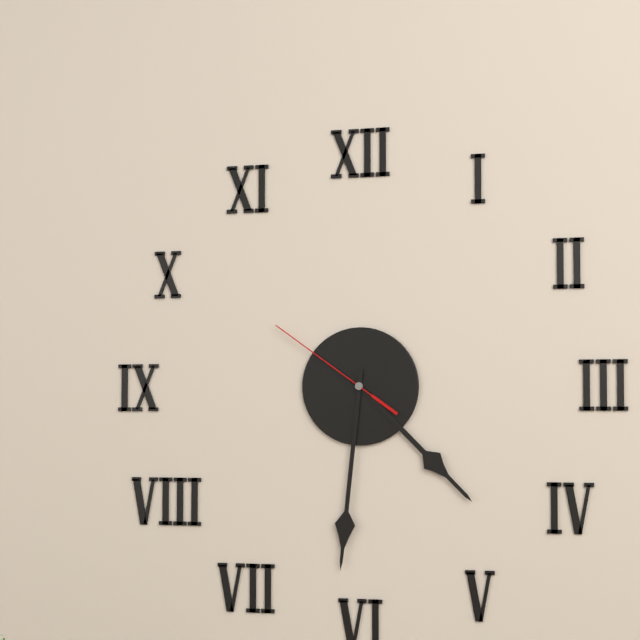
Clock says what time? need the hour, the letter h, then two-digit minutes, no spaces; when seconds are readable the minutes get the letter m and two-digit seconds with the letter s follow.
4h31m51s
